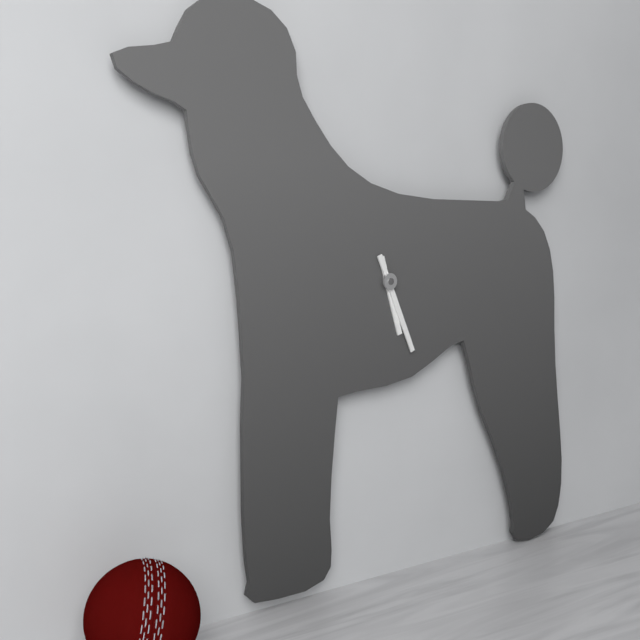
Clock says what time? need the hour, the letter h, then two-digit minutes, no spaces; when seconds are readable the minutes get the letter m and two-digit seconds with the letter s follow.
5h26
